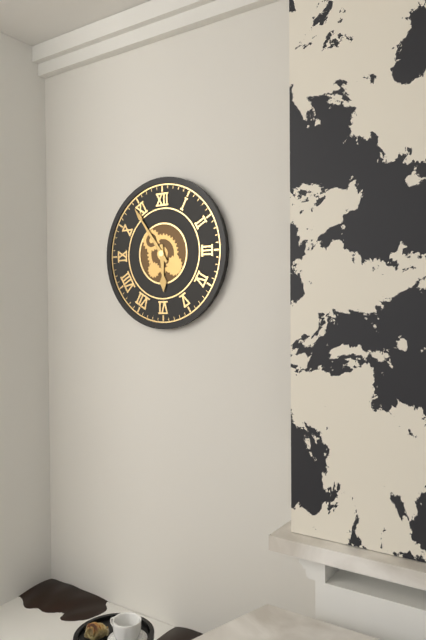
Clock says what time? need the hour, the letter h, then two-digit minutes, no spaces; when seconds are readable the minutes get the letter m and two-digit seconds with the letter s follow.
5h54
